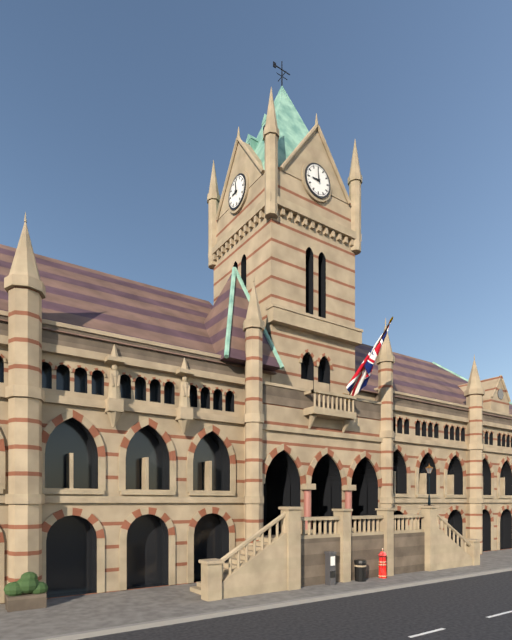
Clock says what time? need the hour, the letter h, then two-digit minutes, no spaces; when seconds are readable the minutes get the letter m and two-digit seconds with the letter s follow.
8h59
